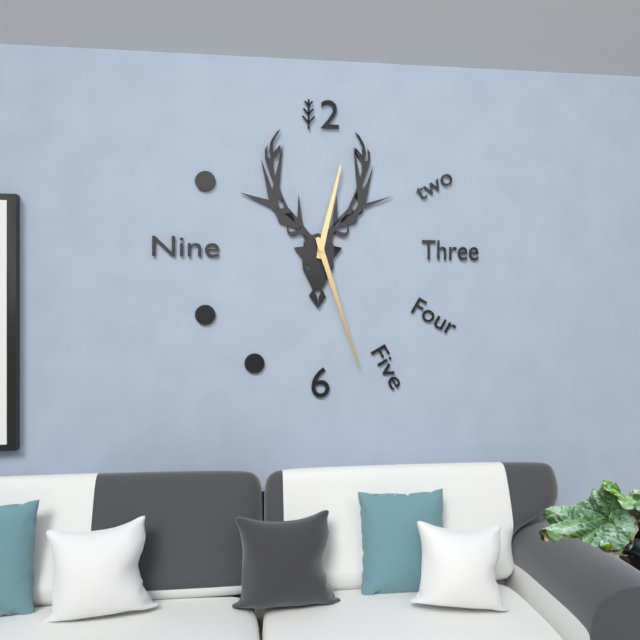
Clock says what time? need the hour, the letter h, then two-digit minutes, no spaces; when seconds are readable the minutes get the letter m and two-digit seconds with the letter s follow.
12h27
